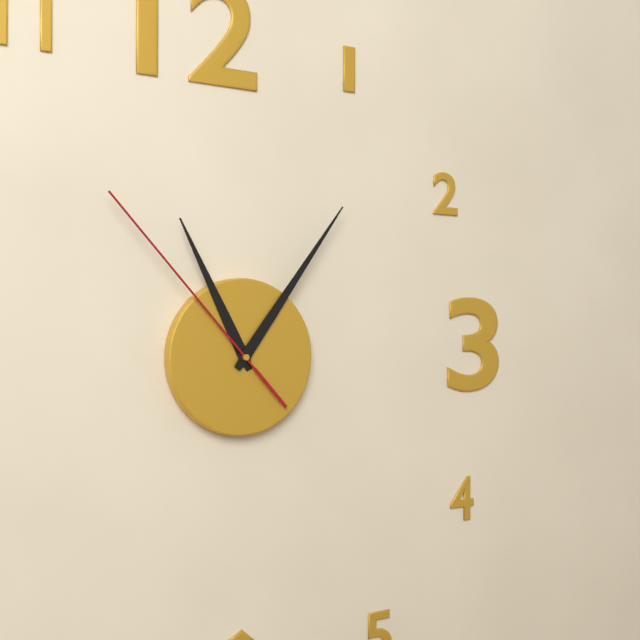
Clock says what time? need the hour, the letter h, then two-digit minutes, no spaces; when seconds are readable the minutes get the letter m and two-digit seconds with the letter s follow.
11h06m53s
